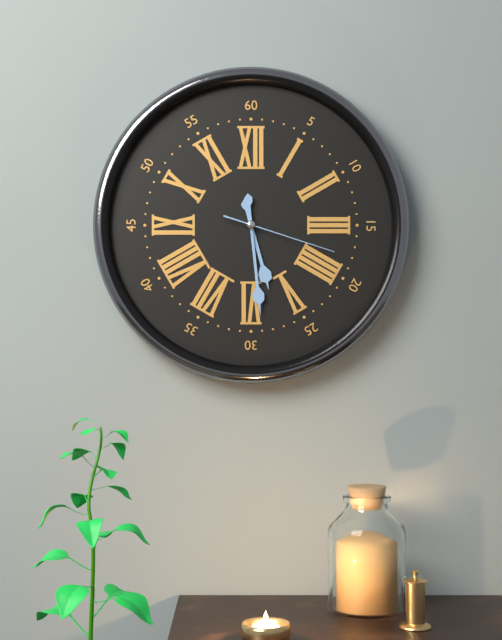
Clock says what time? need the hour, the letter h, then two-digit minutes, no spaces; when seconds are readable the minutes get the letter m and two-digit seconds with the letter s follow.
5h29m18s
